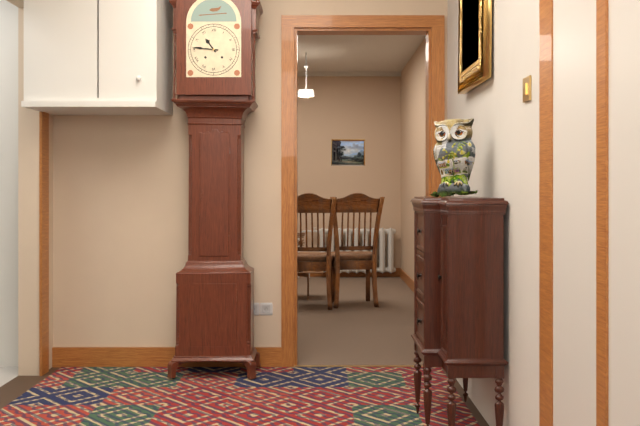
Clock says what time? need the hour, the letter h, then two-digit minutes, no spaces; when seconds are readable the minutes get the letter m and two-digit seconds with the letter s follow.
10h46
